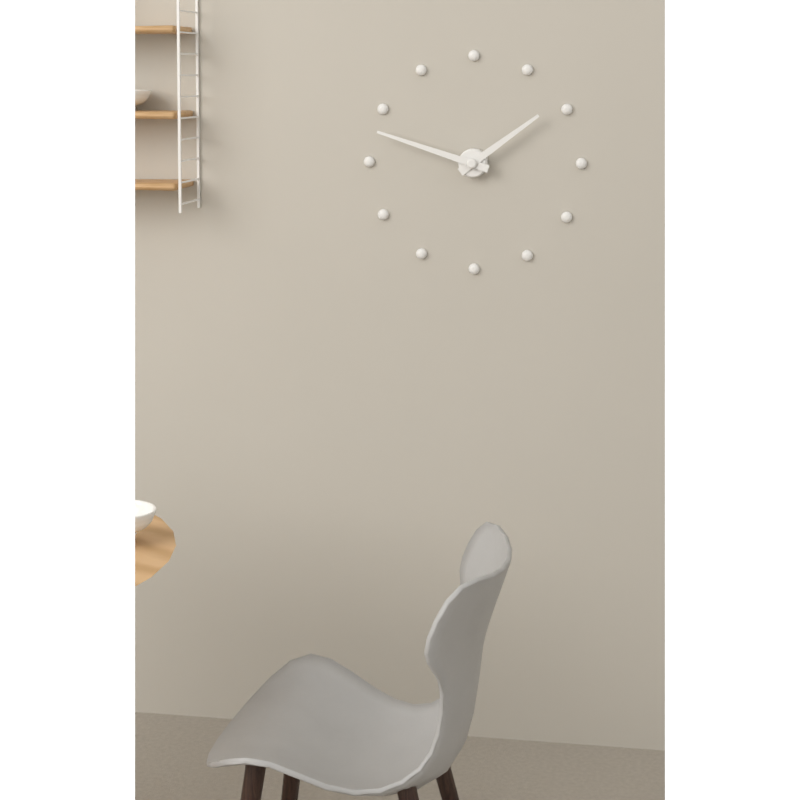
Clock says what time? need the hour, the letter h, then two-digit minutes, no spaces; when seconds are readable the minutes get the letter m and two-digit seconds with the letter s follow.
1h48
